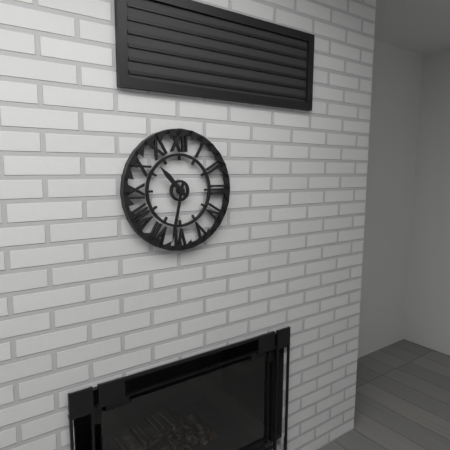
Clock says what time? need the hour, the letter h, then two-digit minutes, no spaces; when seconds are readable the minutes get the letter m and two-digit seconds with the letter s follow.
10h32
